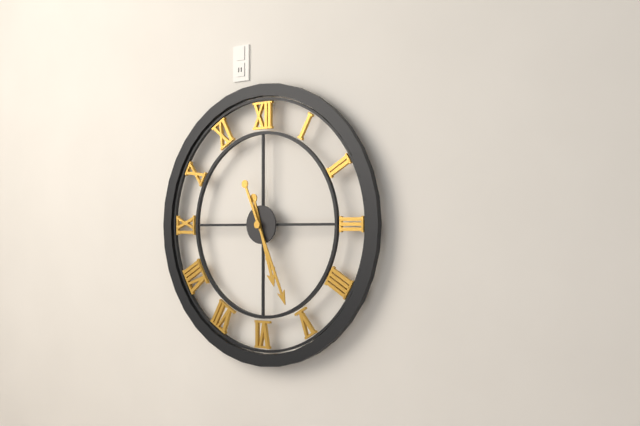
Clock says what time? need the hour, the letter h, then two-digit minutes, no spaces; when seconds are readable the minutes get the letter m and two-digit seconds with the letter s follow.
5h26
